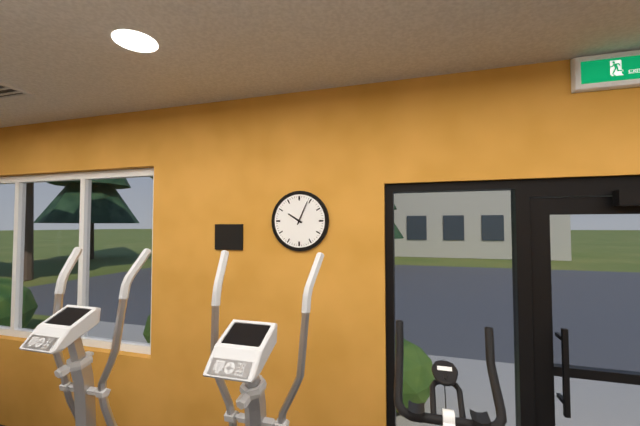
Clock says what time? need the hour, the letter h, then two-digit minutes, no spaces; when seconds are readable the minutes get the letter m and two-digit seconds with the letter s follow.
10h04
